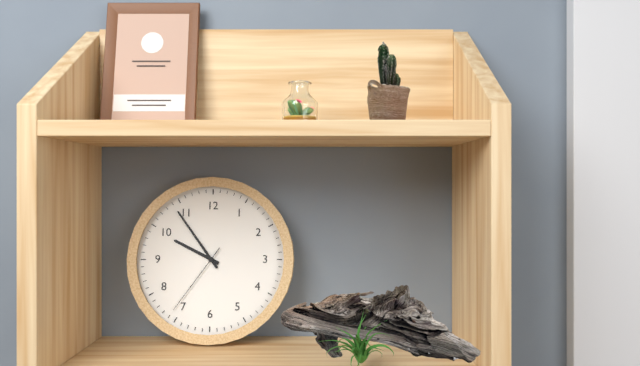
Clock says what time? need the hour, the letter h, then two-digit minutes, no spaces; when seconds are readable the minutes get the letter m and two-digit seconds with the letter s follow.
9h54m36s
